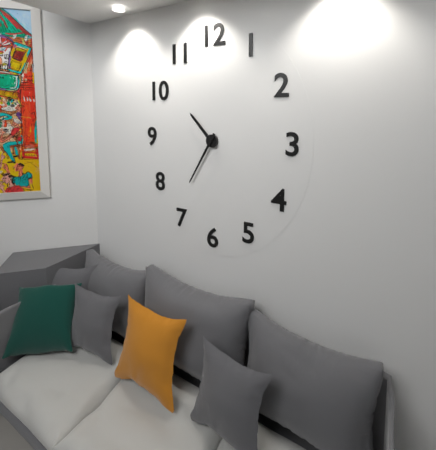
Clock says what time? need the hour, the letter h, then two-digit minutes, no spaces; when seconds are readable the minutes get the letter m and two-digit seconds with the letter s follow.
10h35
